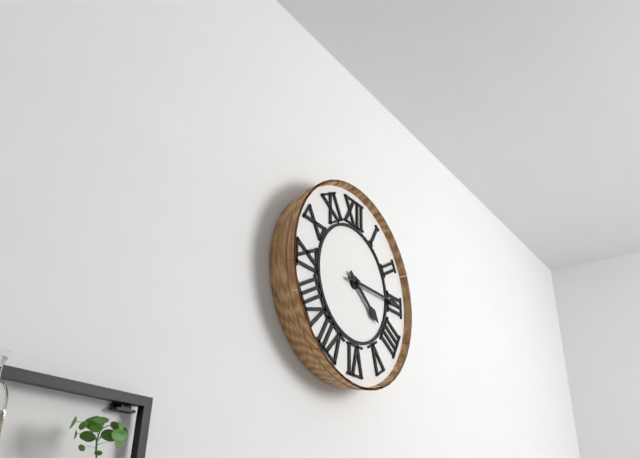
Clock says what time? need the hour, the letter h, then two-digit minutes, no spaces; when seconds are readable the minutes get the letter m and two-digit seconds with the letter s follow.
4h15
